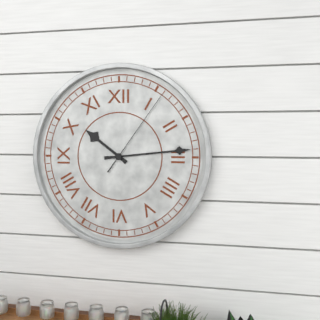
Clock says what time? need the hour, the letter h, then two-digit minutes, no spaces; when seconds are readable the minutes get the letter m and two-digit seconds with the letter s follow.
10h14m06s
